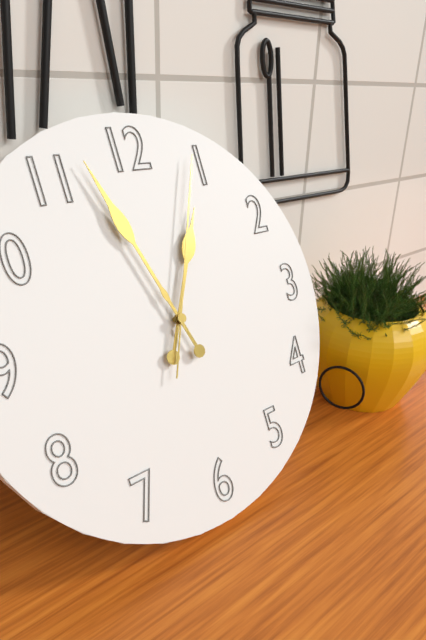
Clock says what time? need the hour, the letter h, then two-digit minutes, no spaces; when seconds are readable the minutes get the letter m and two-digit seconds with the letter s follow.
12h57m04s
